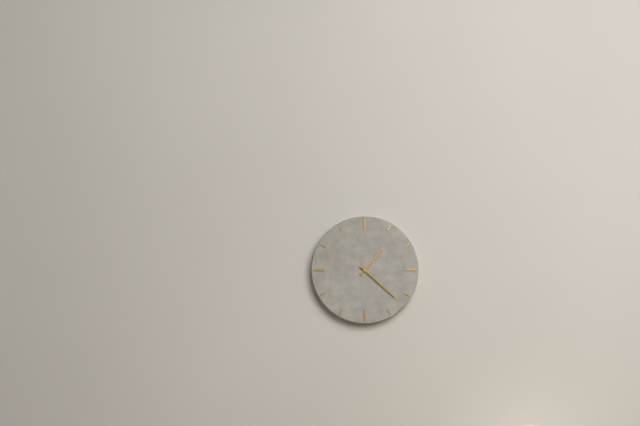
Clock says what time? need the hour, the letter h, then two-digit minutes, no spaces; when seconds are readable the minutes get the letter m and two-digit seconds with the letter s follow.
1h22
